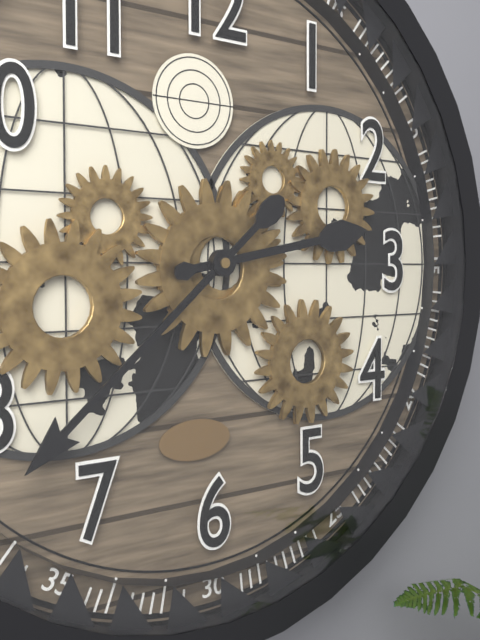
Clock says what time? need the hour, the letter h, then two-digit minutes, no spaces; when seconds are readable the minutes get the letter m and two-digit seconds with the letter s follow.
2h38
